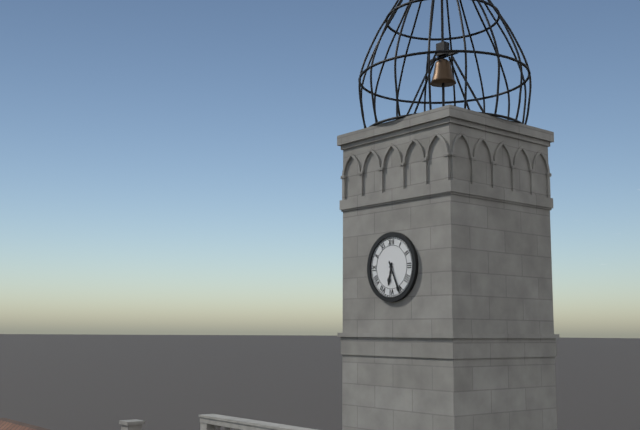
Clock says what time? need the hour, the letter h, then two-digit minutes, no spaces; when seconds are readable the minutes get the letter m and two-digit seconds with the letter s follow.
6h26
